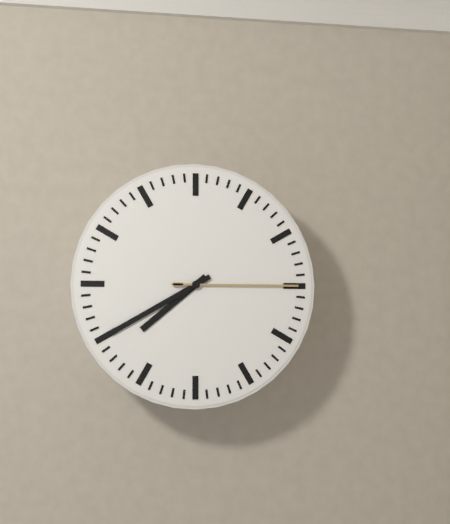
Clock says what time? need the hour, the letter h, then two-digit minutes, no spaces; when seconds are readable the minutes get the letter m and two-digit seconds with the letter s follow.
7h40m15s
